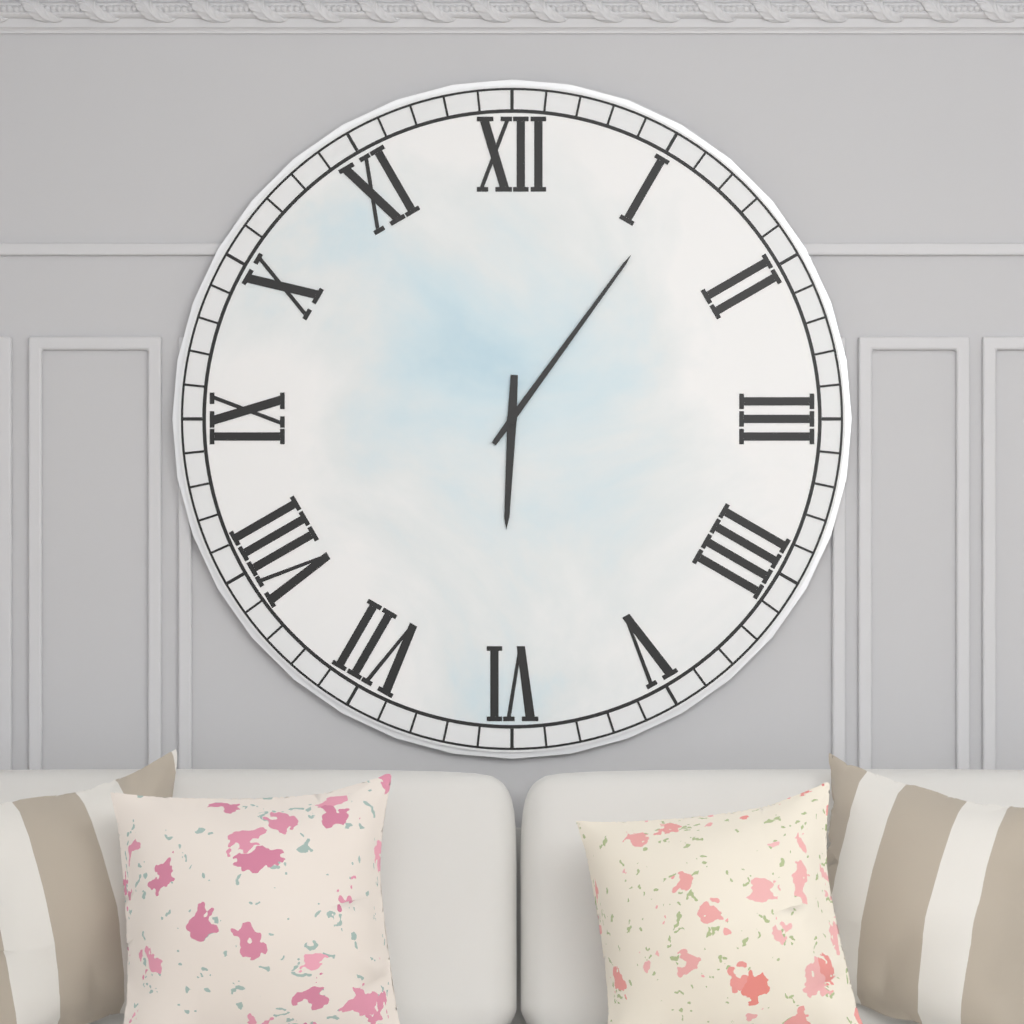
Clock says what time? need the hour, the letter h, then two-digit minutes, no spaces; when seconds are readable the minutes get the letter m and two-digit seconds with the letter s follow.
6h06
